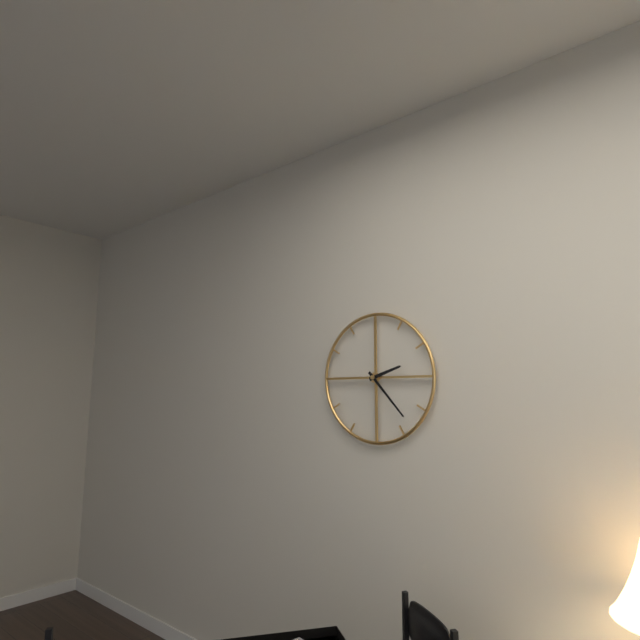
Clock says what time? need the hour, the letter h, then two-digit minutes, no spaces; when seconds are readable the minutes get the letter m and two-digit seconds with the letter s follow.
2h23
